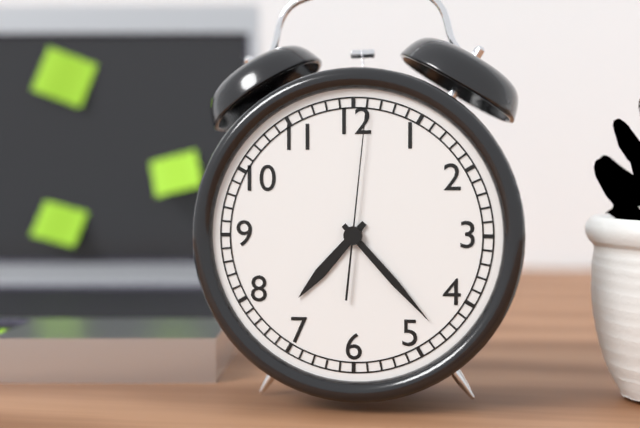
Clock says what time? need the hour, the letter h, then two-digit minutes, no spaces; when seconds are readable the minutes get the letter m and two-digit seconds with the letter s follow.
7h23m01s
